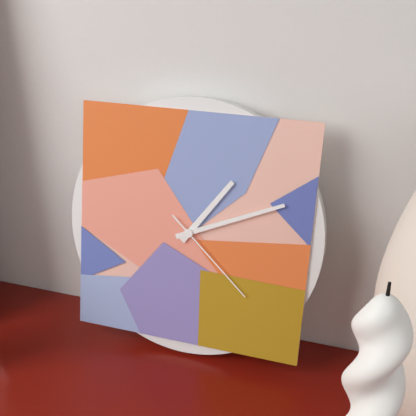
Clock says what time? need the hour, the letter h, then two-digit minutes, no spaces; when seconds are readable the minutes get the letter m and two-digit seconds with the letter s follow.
1h11m22s
